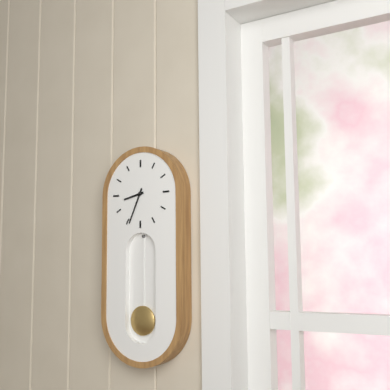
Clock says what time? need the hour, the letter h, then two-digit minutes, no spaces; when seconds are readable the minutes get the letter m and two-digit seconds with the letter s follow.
8h34
